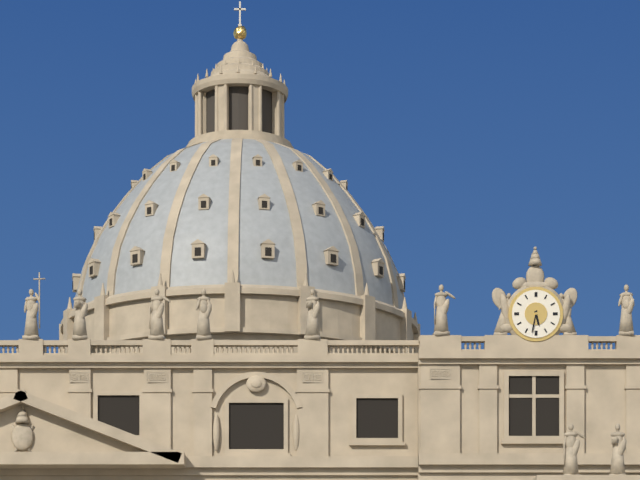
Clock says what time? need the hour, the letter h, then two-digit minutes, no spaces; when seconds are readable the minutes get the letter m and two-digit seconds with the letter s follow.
5h32
